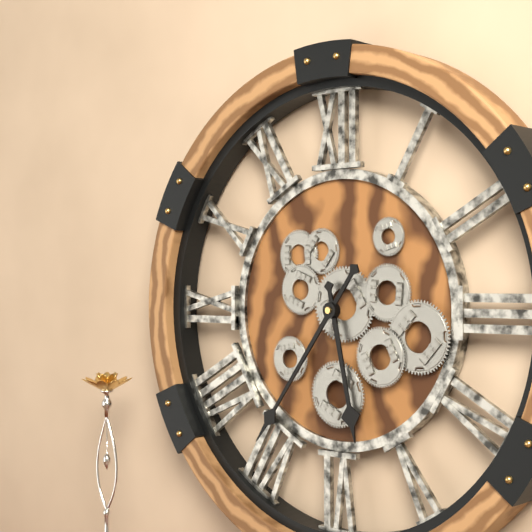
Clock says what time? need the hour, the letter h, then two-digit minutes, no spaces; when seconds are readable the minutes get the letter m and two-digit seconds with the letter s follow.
5h36
